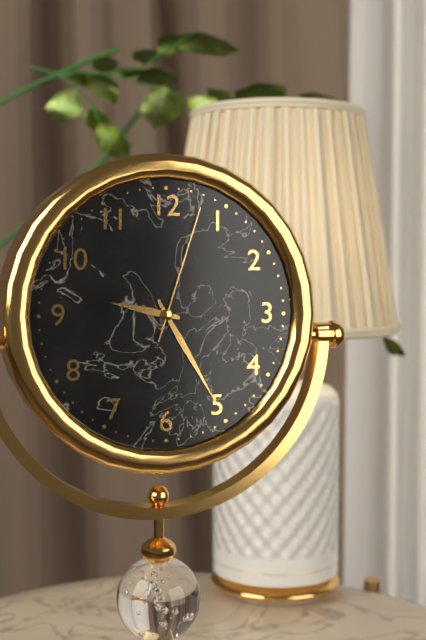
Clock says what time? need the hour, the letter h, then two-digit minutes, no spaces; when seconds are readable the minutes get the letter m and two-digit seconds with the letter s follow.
9h25m03s
